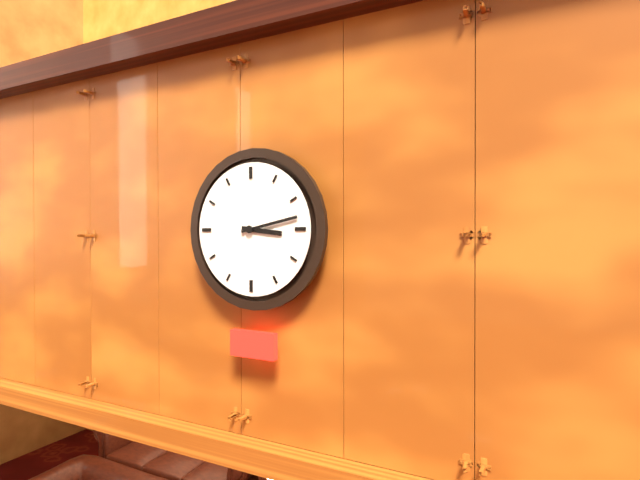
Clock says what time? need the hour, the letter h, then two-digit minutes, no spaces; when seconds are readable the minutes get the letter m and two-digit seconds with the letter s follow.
3h13
